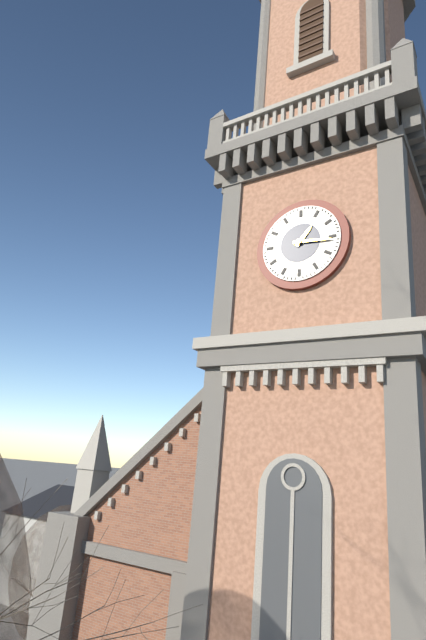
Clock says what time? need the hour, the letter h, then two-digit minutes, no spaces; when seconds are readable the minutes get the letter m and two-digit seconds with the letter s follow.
1h16
